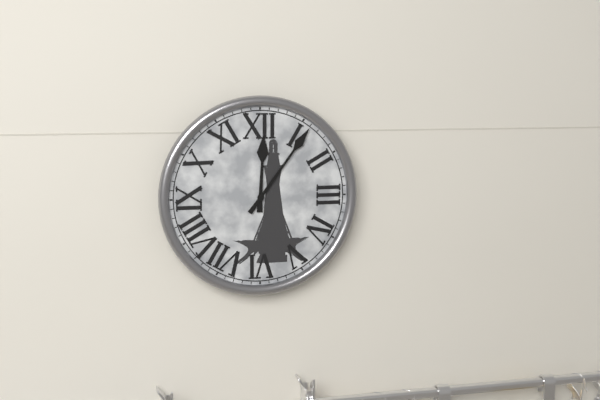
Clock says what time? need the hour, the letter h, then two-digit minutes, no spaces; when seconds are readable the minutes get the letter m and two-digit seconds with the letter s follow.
12h06
